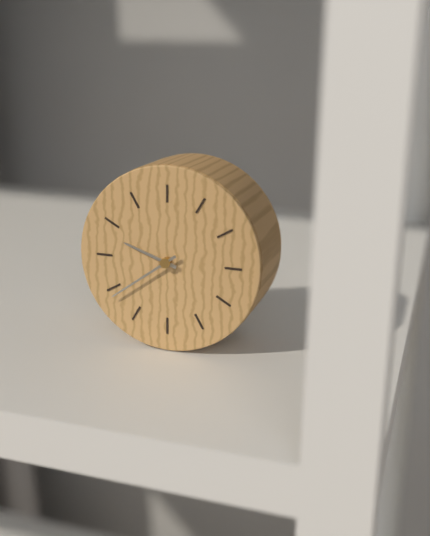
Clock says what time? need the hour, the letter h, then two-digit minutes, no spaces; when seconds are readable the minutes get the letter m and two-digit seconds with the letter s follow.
9h39
